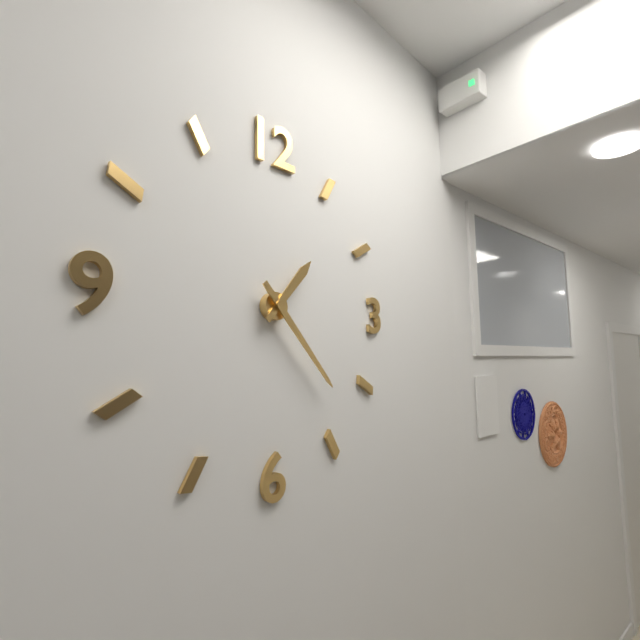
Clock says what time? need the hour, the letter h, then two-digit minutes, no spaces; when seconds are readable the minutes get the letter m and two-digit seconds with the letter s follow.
1h23
